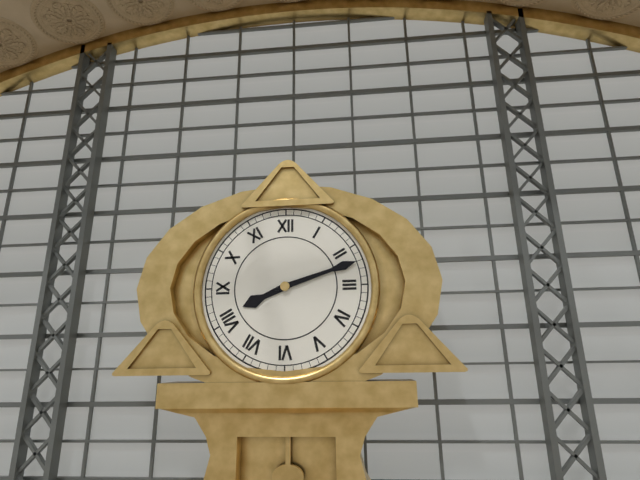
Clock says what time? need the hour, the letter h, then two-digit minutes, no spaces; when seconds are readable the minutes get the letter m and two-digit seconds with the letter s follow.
8h12
